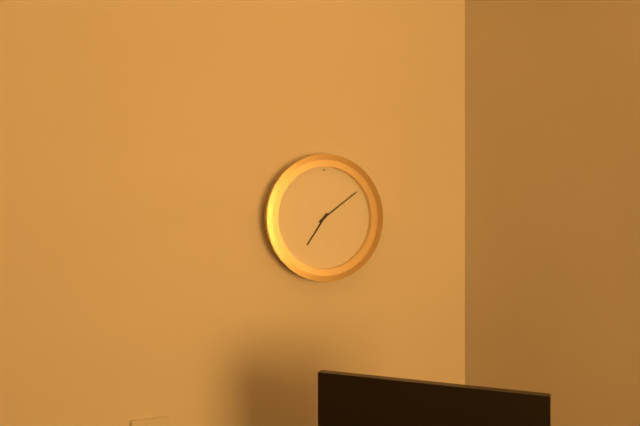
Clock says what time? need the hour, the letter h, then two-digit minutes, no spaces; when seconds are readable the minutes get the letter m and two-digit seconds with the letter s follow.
7h09
